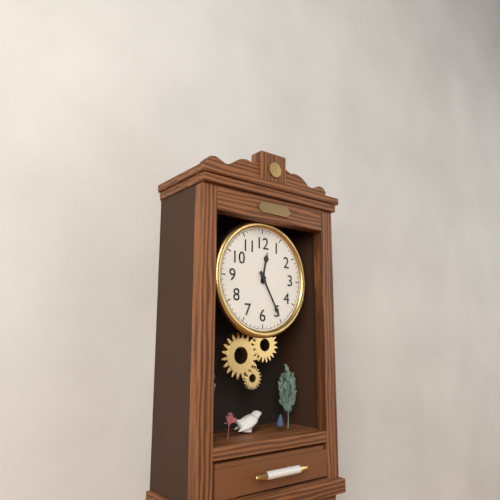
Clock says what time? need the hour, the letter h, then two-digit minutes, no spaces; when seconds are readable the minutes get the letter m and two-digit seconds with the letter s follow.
12h25
